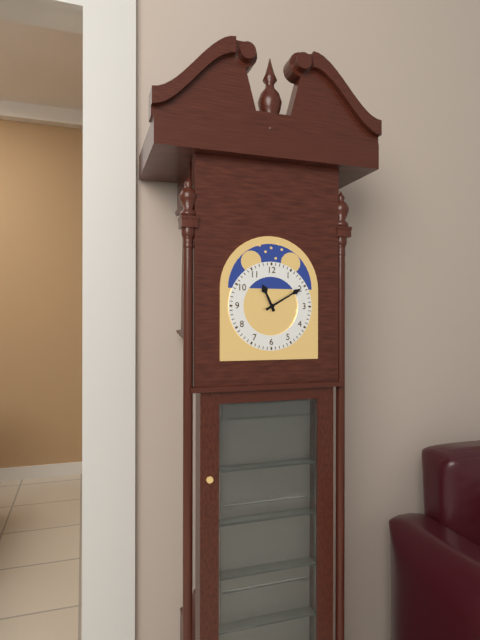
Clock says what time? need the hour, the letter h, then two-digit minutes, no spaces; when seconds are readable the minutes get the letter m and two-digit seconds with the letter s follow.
11h10
